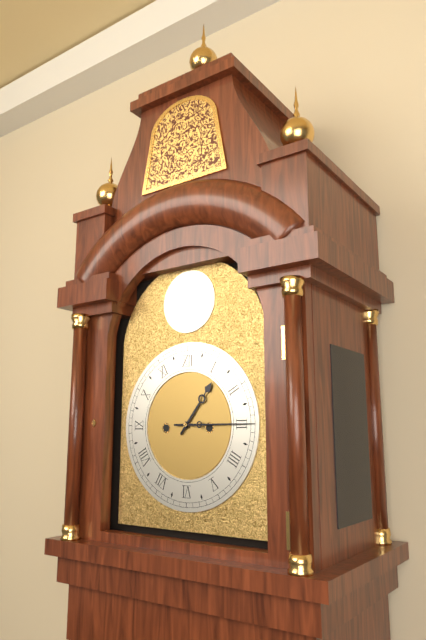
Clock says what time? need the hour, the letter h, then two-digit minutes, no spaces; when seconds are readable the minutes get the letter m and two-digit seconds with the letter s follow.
1h15
